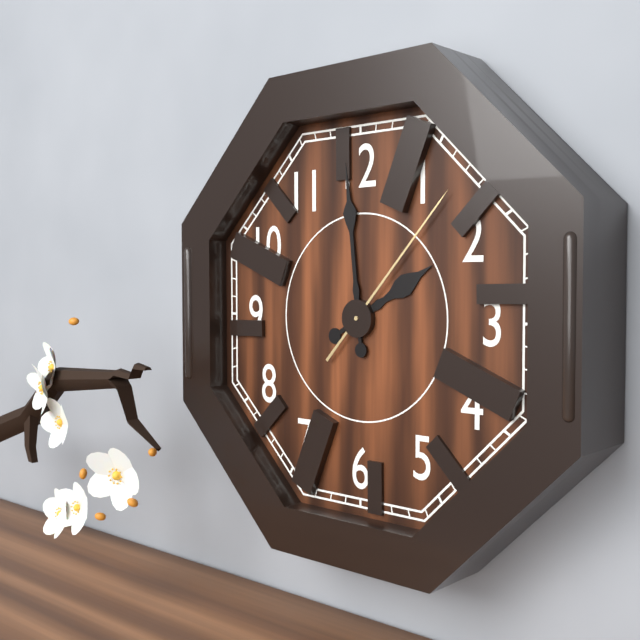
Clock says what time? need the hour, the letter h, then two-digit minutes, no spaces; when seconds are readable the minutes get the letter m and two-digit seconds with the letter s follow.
1h59m07s
